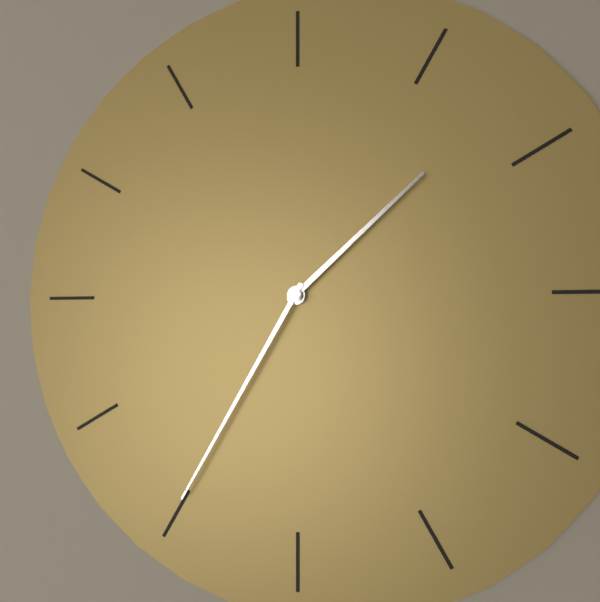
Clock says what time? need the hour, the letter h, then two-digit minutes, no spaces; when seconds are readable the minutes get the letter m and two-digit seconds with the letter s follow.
1h35
